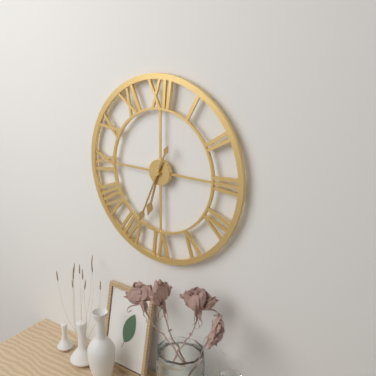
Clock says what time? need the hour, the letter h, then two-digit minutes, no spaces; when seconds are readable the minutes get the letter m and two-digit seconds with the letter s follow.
6h34
